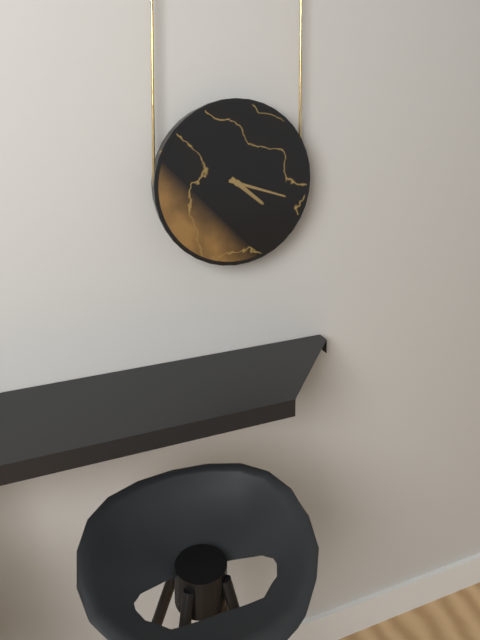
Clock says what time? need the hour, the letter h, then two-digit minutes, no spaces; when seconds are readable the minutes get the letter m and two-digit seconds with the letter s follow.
4h18
